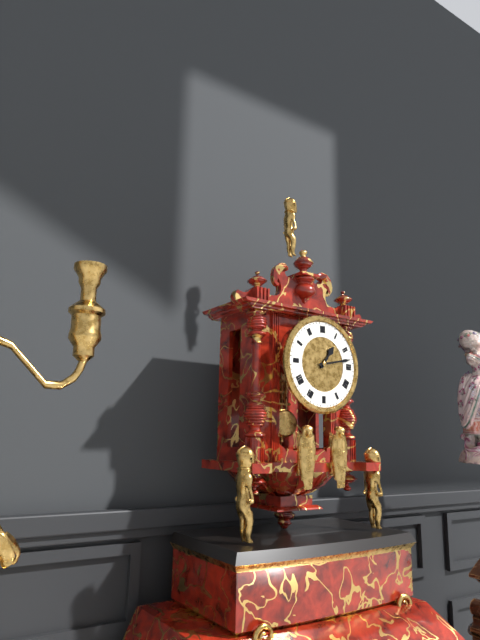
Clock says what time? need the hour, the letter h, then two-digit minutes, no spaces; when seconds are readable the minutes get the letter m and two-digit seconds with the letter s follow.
1h13
